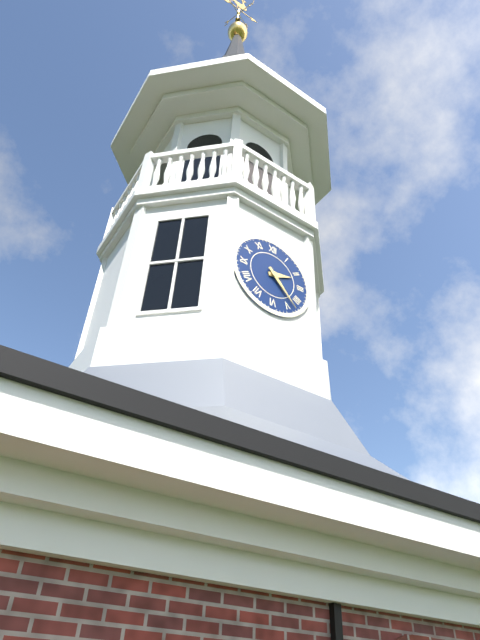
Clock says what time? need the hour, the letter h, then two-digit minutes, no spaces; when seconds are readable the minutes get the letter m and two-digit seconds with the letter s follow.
2h23
